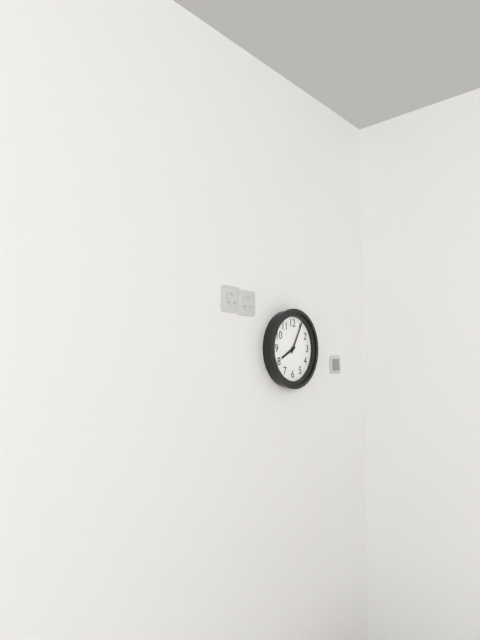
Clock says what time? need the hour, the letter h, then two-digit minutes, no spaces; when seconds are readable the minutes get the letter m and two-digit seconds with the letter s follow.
8h05
